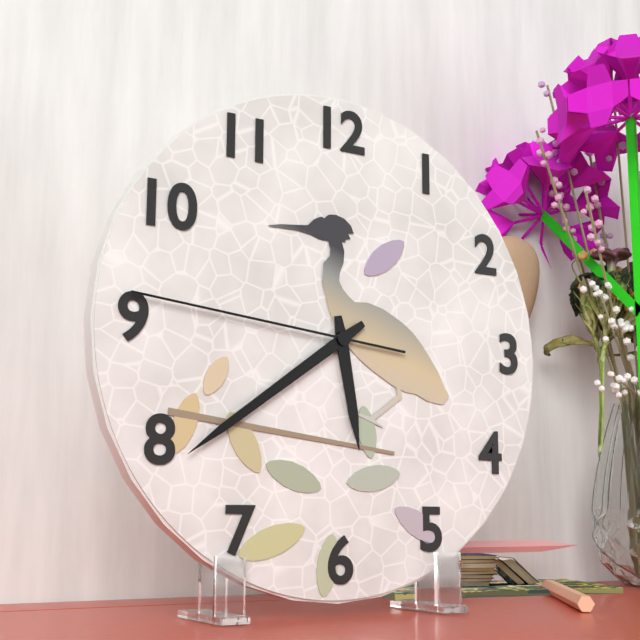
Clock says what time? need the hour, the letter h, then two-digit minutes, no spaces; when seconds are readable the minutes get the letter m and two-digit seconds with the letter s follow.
5h39m46s
